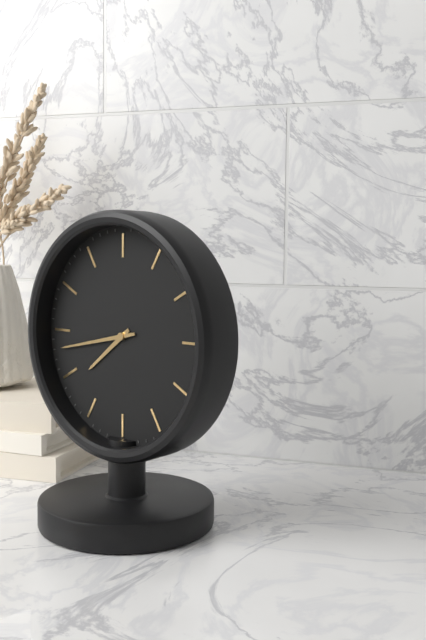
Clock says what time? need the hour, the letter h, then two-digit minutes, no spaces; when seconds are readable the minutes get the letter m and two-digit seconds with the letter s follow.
7h43
